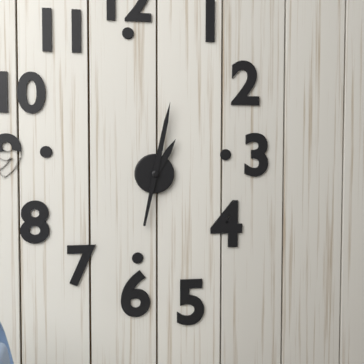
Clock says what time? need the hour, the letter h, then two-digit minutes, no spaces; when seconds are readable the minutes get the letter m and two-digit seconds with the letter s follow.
1h02
